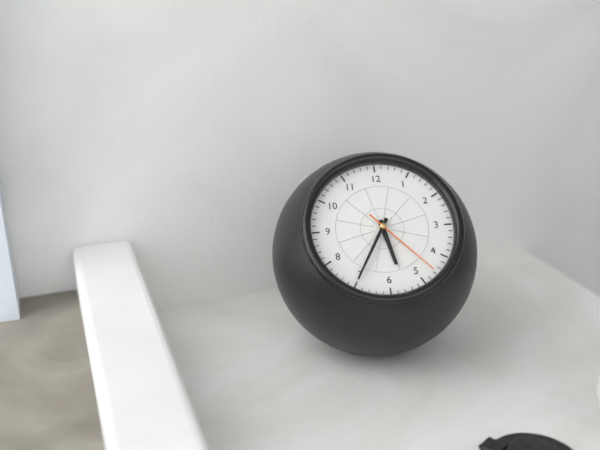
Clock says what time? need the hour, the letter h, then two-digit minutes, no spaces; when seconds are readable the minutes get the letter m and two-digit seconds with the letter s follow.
5h35m23s
